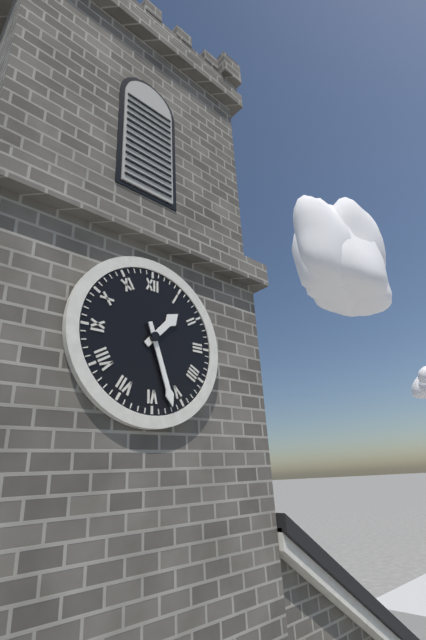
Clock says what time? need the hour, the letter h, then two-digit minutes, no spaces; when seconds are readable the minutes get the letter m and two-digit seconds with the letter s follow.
1h27
